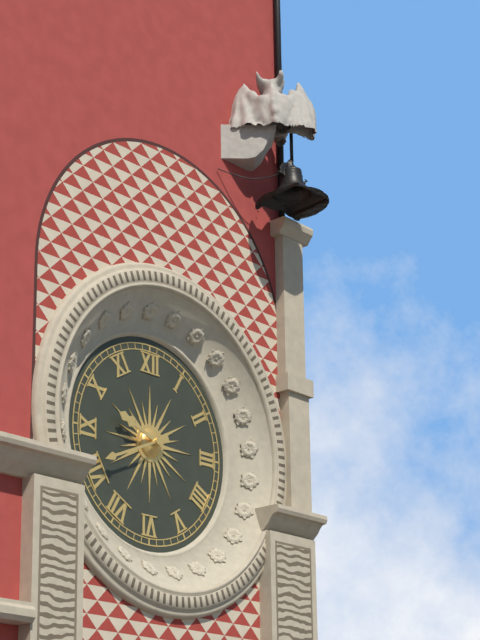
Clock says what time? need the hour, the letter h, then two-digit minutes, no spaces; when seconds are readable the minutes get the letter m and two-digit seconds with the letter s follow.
9h41
